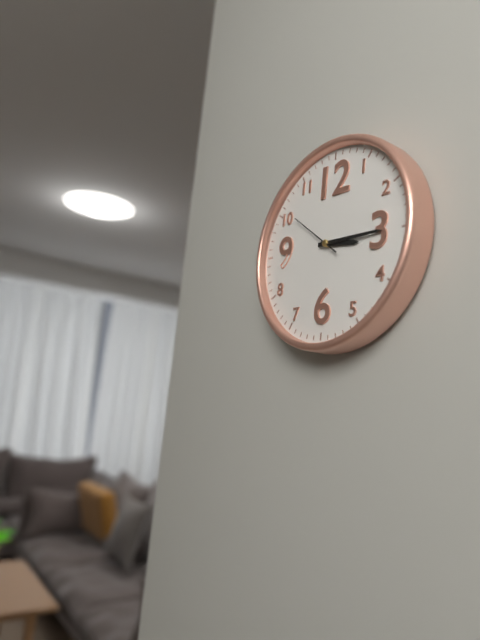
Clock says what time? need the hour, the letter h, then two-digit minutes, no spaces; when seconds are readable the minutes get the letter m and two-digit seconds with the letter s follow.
3h15
